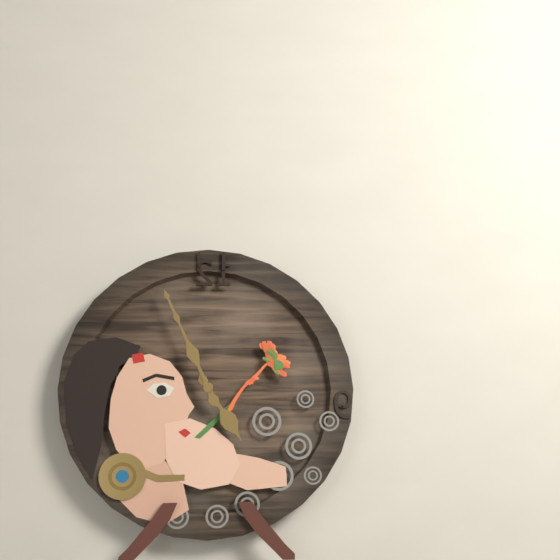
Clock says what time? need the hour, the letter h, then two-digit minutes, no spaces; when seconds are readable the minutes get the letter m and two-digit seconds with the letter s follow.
4h56
